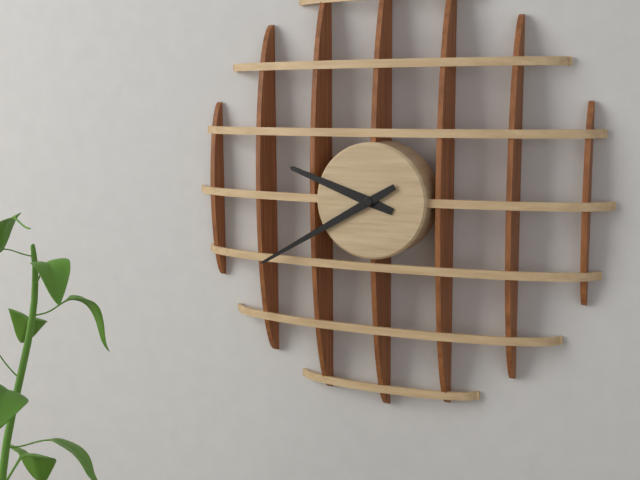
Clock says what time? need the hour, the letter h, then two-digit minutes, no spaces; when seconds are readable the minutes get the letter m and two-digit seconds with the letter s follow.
9h40
